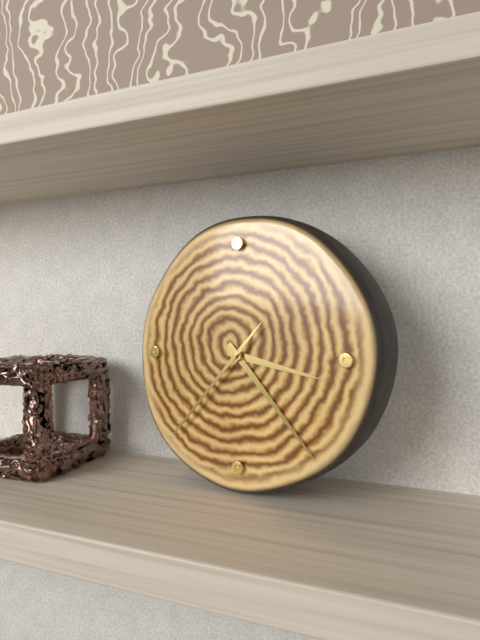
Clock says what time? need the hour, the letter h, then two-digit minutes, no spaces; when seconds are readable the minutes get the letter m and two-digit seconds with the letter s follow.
3h23m37s
